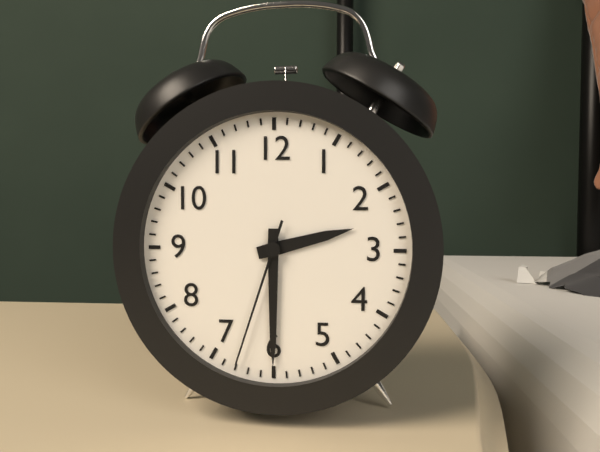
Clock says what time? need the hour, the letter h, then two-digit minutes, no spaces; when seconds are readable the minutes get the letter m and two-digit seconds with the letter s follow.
2h30m33s
